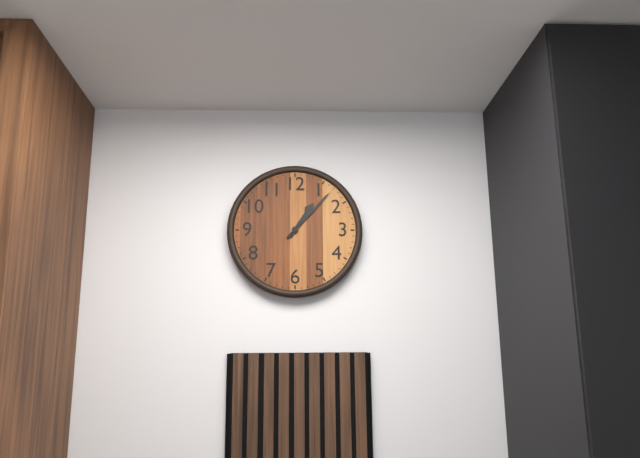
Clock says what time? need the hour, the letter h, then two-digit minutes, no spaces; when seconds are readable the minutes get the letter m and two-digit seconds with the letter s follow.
1h07
